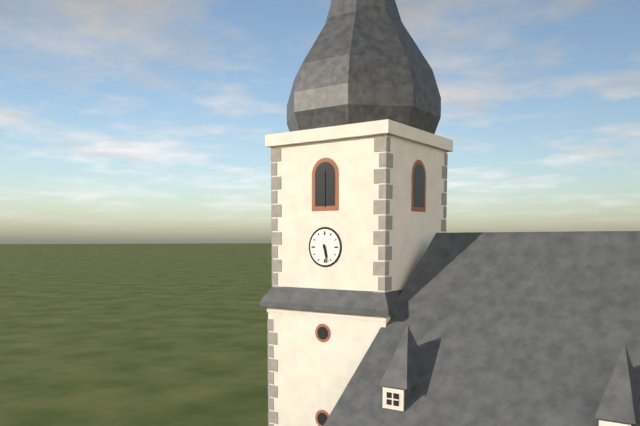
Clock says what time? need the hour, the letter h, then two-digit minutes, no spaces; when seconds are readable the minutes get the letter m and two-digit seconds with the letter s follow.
5h28
